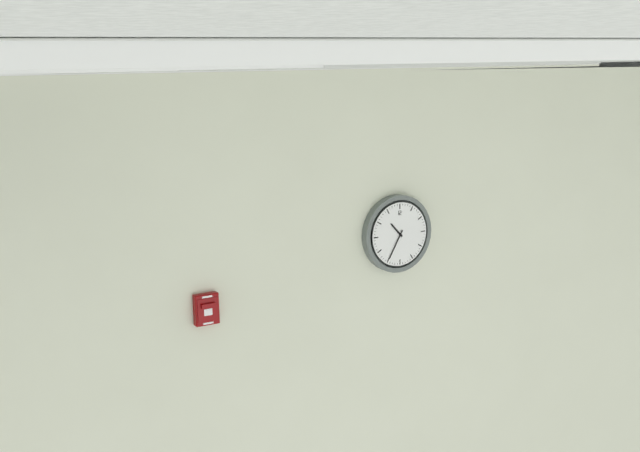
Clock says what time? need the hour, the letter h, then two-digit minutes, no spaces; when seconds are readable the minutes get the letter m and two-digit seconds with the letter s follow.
10h35
